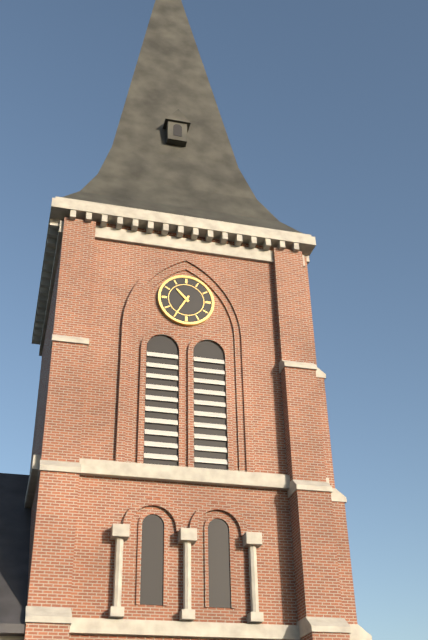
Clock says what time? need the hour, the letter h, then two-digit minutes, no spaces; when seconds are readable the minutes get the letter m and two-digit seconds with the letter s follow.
10h35
